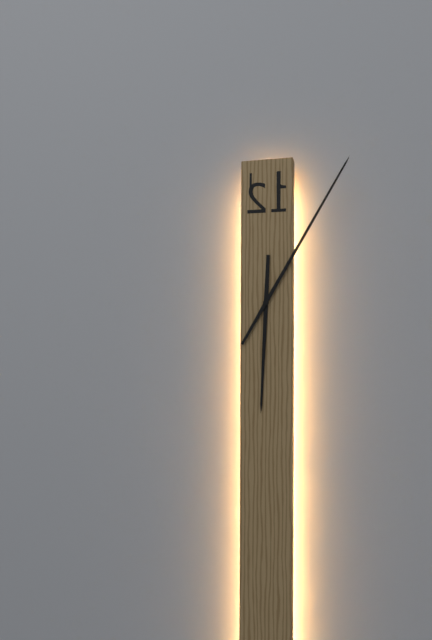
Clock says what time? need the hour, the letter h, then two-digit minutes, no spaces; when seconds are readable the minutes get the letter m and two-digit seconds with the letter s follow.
6h05
